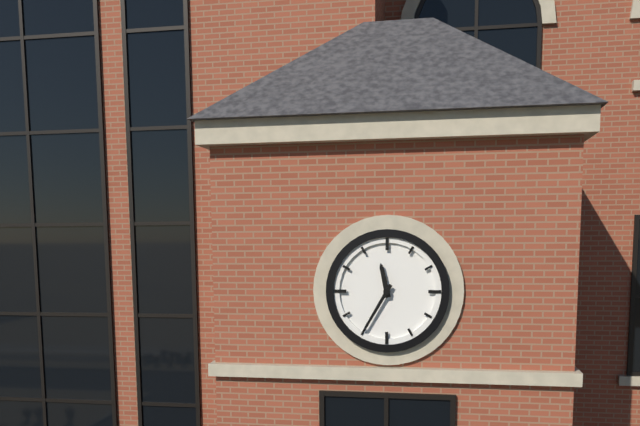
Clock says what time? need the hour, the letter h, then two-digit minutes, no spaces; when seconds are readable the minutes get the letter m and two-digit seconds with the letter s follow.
11h35
